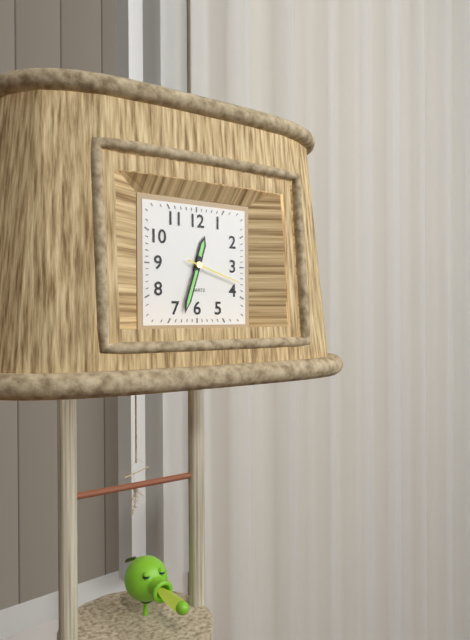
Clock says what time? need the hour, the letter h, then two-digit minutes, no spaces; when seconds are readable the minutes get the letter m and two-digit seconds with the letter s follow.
12h33m18s
